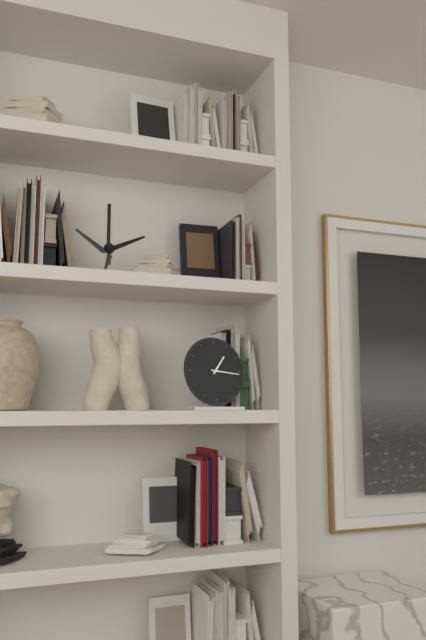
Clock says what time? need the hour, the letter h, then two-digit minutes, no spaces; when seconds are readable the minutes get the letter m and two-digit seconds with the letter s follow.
1h16
